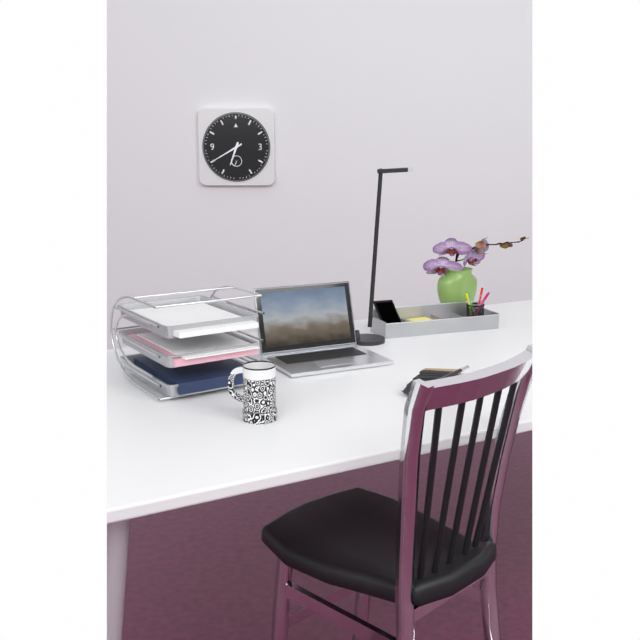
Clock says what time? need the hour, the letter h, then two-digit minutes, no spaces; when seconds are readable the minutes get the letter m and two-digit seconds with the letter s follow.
6h40
